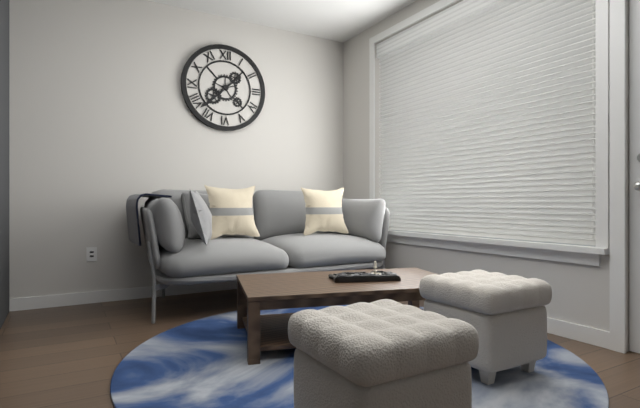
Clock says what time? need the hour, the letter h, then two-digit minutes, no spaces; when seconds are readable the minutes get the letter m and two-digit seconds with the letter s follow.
1h38
